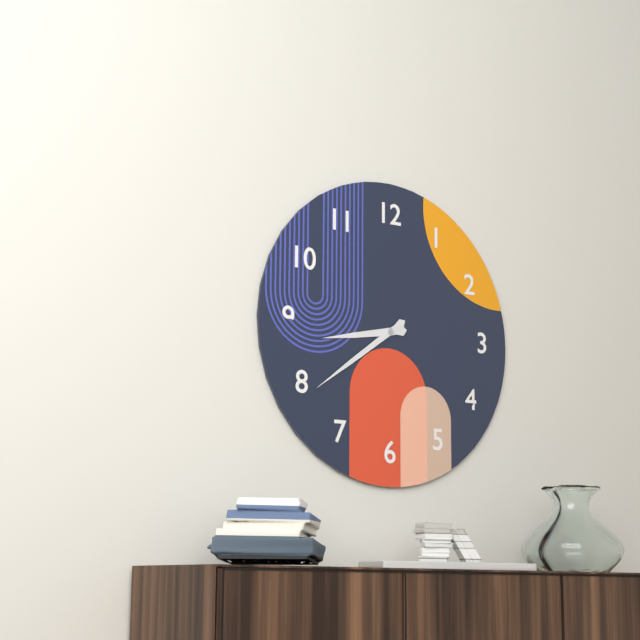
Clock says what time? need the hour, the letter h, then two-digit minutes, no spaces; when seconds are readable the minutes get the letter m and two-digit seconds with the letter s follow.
8h39
